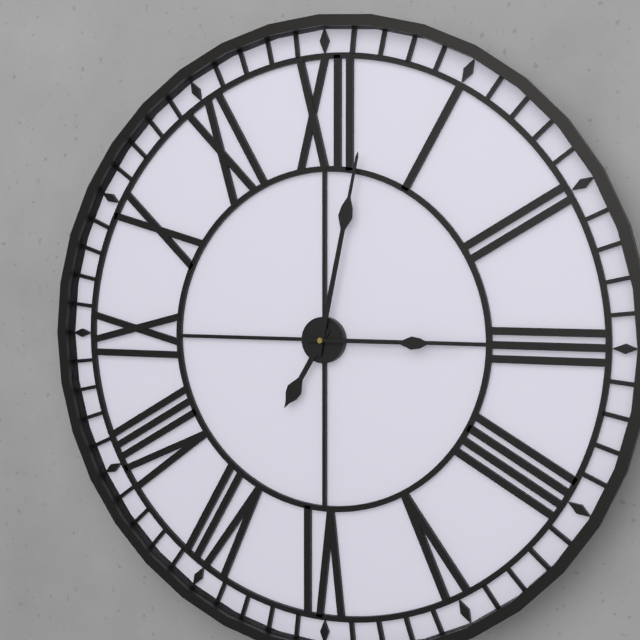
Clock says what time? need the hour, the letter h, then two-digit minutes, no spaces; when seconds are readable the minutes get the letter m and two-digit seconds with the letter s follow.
7h02m15s
